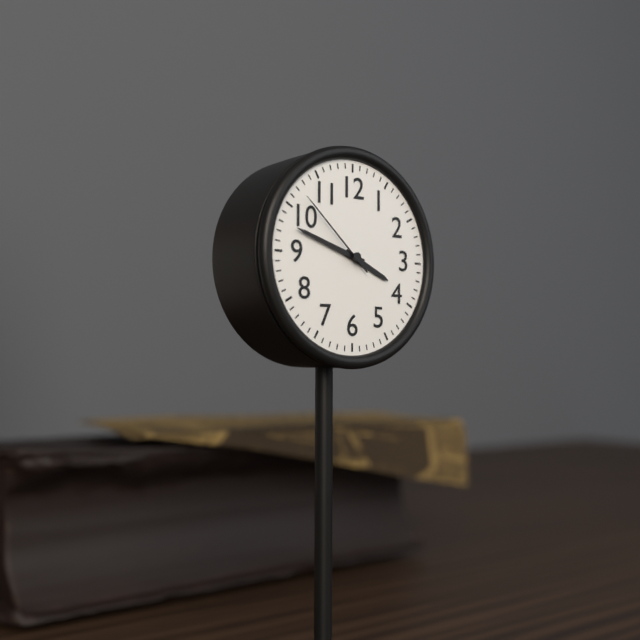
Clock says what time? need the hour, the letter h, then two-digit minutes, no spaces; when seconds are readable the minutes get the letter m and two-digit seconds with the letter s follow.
3h48m52s
